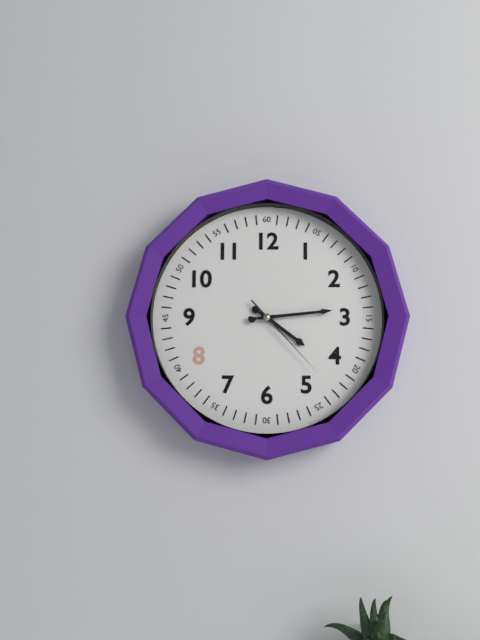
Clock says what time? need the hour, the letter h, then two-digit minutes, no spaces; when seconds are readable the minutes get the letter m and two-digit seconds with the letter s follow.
4h14m23s
